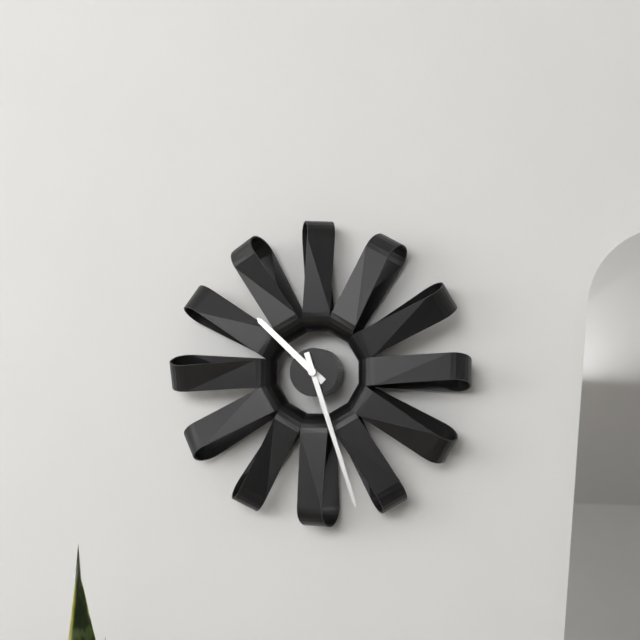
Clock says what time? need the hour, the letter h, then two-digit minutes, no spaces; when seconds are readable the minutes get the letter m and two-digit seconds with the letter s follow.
10h27
